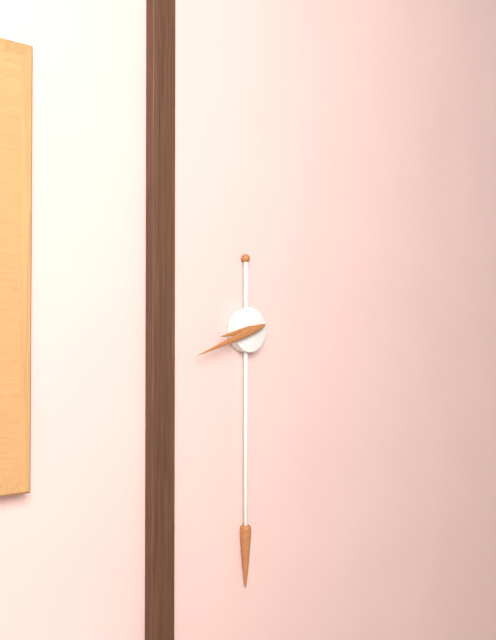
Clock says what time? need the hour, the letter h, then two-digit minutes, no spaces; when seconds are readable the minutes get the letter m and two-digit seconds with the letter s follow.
8h42
